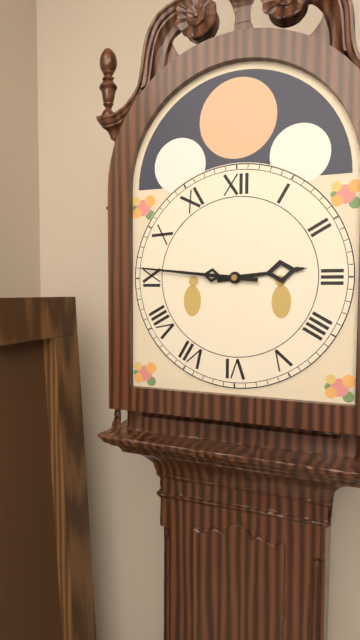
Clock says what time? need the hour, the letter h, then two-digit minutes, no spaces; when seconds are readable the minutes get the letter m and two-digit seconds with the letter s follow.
2h46
